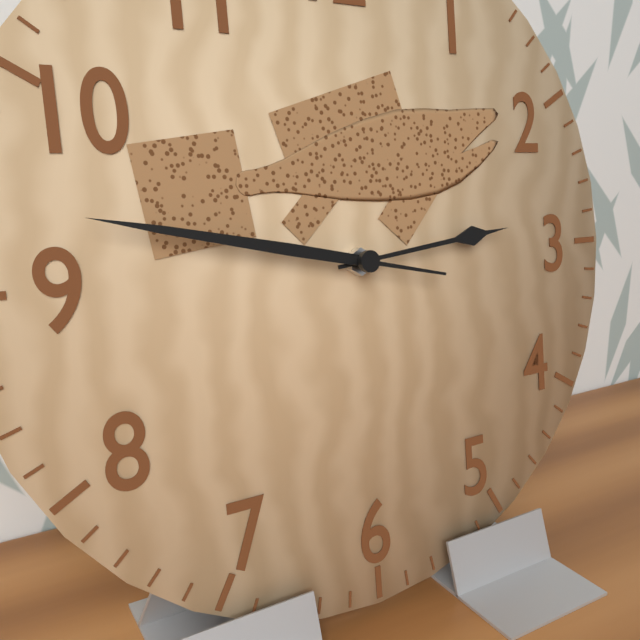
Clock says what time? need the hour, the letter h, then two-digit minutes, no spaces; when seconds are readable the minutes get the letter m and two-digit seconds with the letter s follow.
2h47
